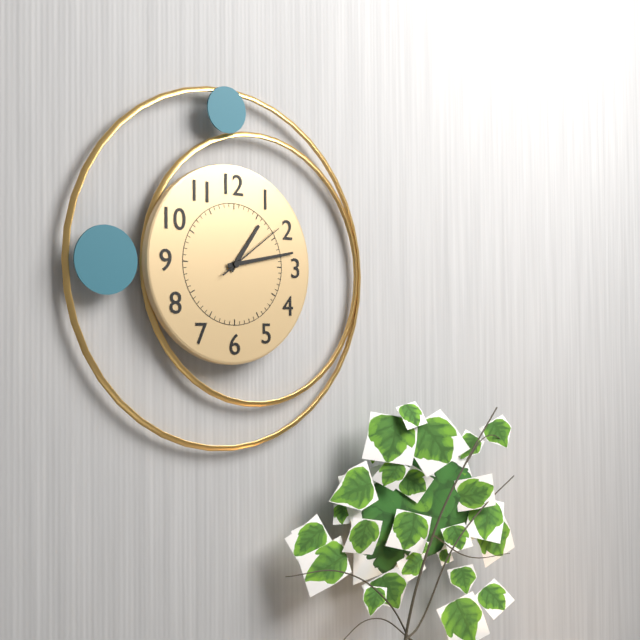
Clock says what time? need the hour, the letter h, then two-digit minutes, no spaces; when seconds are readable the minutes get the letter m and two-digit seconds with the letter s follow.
1h13m09s
